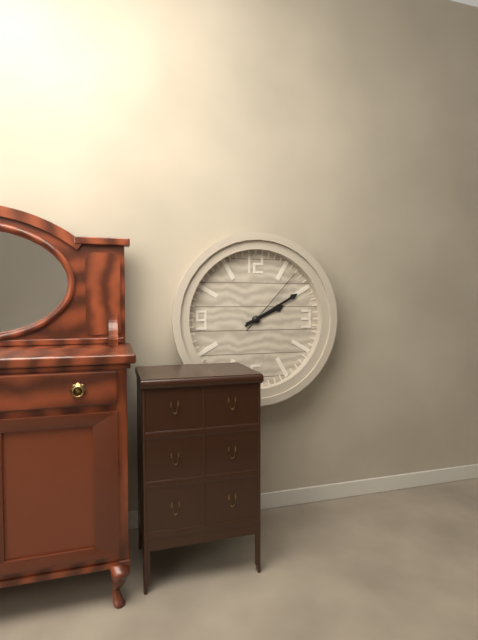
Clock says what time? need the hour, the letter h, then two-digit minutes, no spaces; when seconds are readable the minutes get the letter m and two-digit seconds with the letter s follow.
2h10m07s
